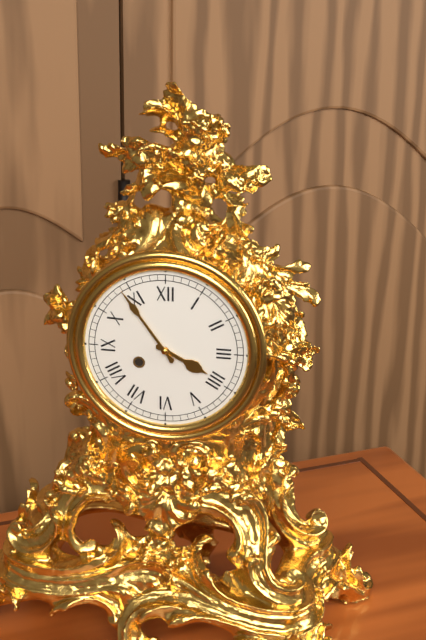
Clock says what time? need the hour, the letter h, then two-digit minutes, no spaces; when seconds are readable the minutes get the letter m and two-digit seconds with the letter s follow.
3h54
